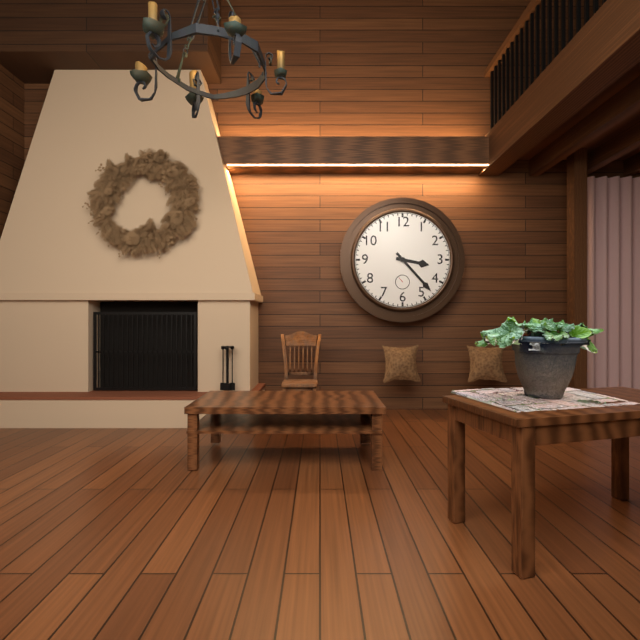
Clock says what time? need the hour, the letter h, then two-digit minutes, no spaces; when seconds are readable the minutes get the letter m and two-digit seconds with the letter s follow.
3h23
